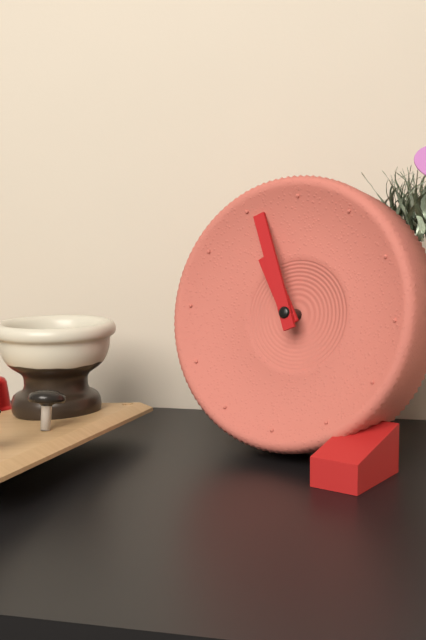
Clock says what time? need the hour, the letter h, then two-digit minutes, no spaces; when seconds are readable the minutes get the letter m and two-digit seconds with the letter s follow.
10h56
